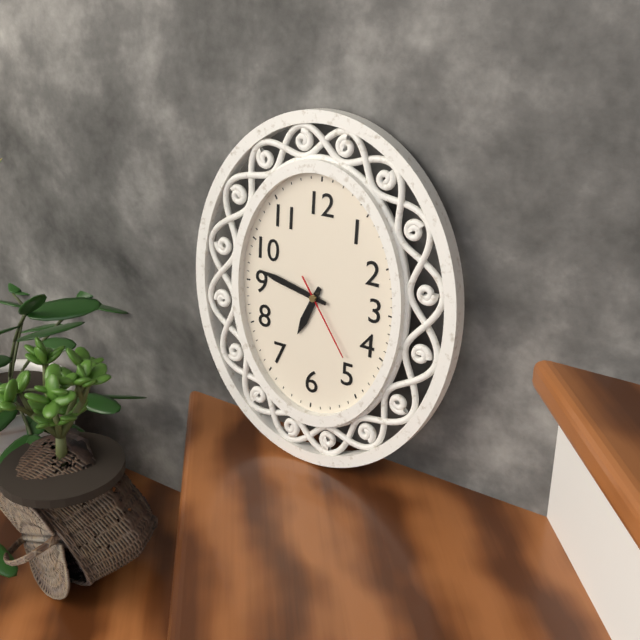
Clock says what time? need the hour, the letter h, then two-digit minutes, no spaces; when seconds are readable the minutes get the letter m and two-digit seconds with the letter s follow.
6h47m24s
